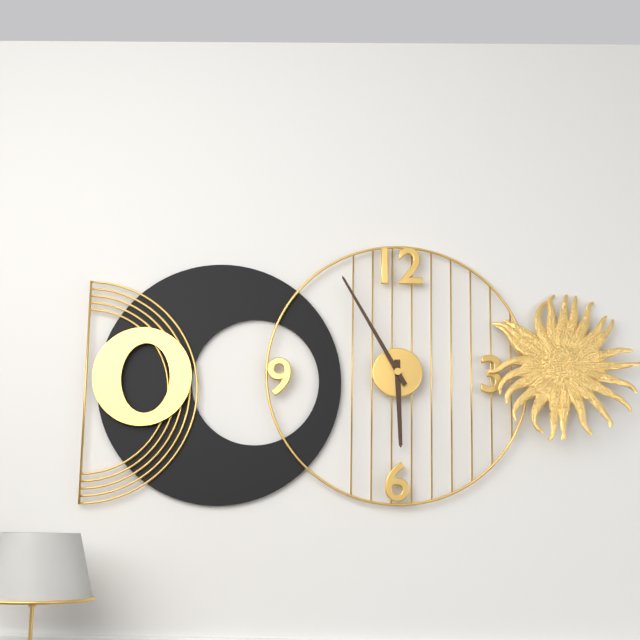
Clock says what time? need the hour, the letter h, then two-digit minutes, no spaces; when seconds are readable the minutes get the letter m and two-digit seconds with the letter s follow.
5h55
